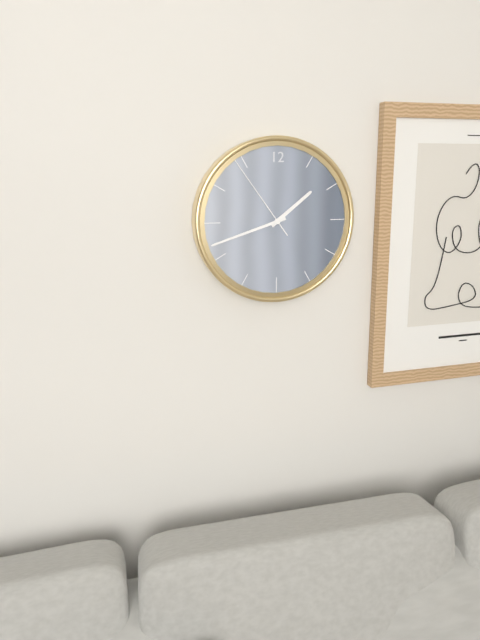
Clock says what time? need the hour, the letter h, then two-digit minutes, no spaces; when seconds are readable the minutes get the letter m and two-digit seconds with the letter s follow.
1h42m54s
